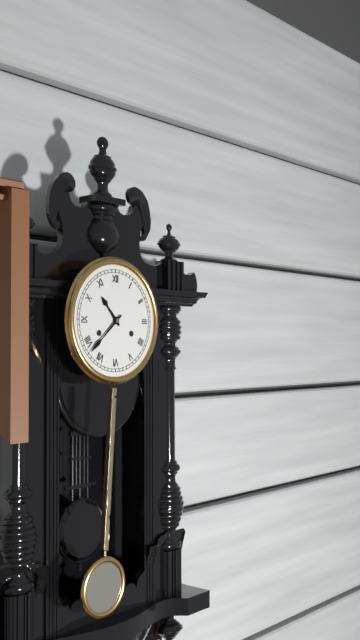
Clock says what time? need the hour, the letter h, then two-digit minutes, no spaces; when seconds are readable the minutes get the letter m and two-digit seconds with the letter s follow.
10h38
